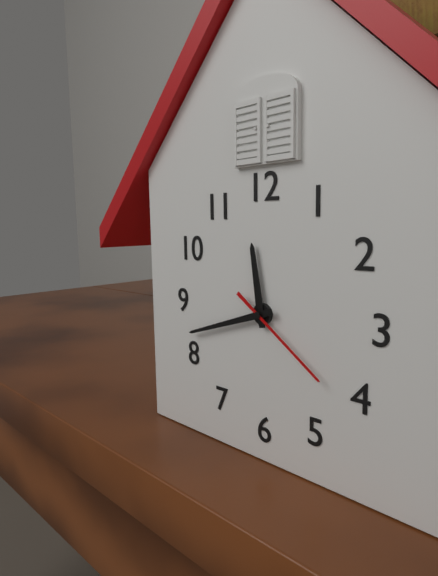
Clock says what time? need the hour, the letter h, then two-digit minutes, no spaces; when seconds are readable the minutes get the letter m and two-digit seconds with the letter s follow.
11h42m21s
